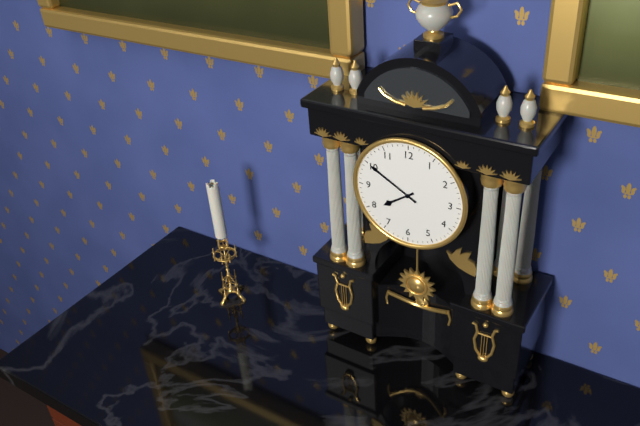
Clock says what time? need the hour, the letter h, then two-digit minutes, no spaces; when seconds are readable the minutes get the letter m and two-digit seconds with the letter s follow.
7h50
